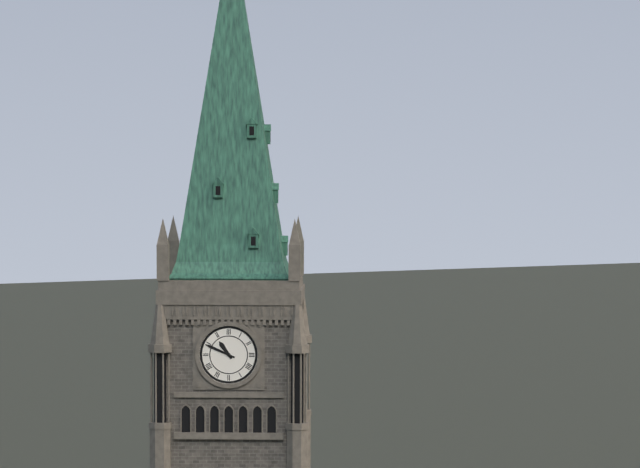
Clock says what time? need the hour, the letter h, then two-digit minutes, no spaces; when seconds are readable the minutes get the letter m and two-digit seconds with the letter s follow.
10h49
